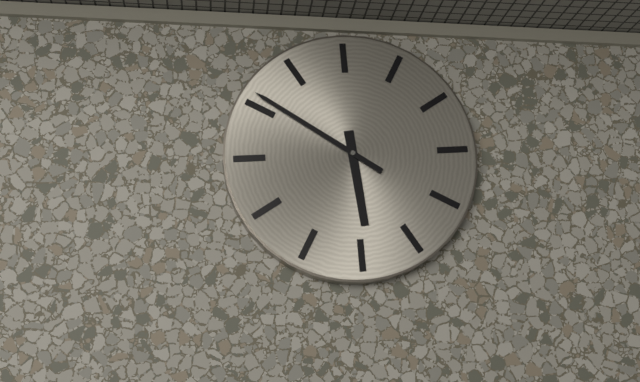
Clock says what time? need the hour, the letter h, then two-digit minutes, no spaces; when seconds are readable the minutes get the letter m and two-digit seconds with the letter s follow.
5h51
